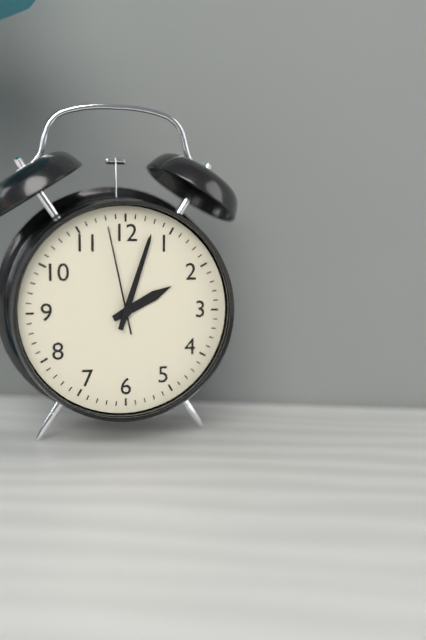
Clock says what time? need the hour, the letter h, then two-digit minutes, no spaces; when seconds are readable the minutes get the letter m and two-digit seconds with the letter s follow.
2h03m58s
